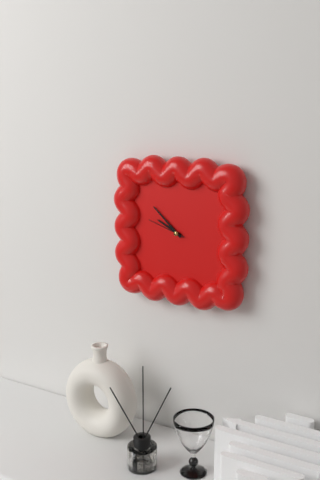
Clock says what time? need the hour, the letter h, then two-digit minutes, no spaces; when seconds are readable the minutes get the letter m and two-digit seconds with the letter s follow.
9h52
